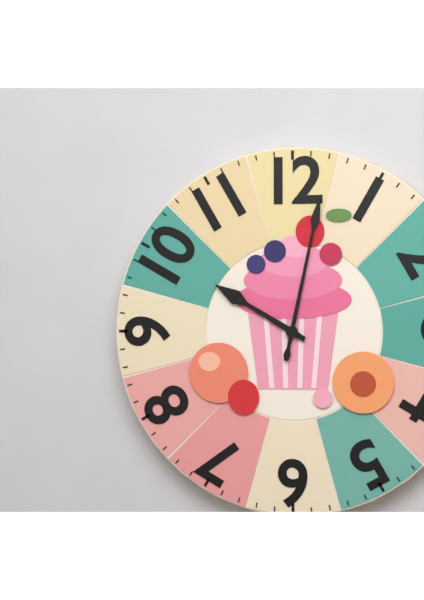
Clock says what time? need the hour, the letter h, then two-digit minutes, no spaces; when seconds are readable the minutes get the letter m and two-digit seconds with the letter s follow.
10h02
